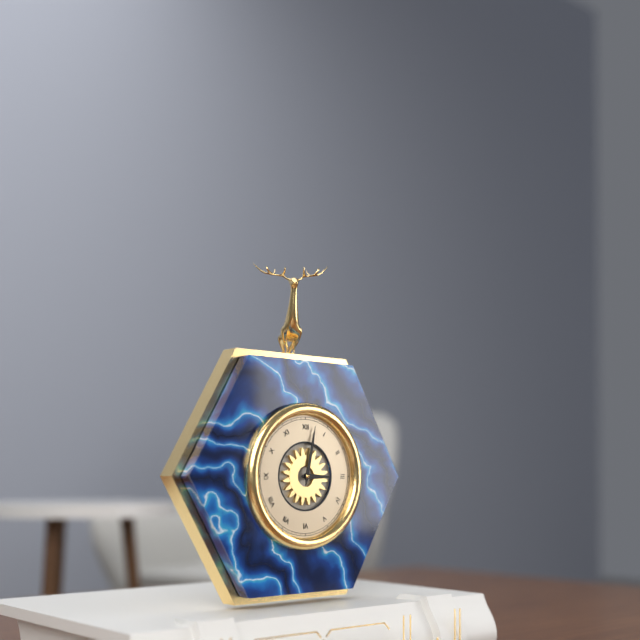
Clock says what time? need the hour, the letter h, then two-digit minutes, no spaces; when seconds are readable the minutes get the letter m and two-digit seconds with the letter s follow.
3h02
